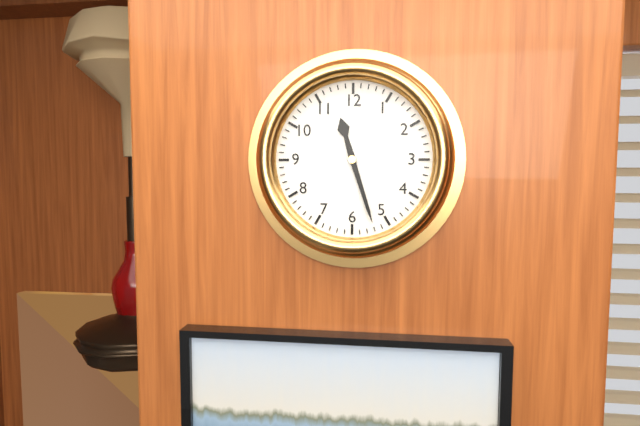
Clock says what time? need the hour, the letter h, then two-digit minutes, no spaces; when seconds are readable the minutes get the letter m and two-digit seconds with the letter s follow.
11h27
